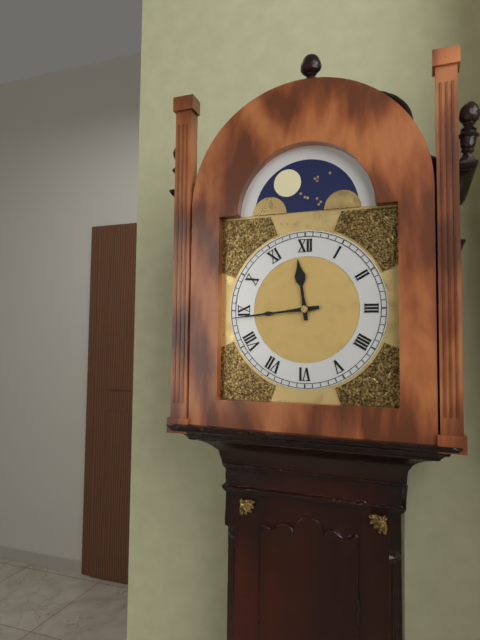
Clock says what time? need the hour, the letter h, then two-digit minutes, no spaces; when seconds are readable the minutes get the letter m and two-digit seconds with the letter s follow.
11h44
